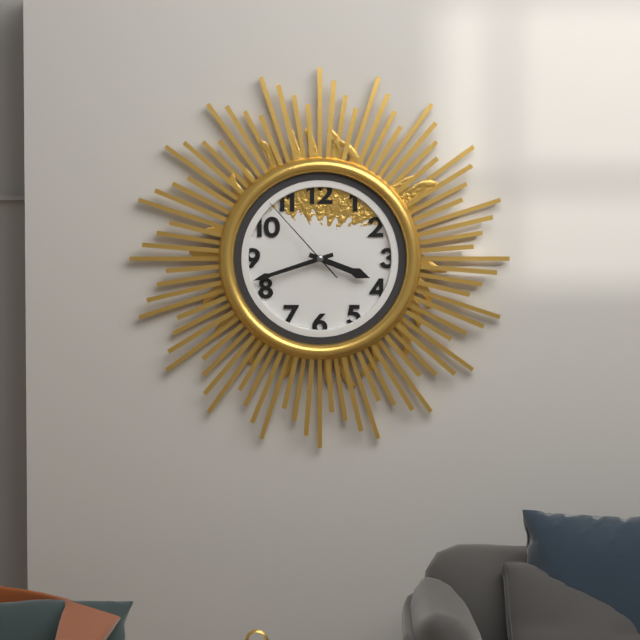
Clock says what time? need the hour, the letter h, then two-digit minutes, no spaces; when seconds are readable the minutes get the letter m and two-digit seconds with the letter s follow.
3h42m53s
